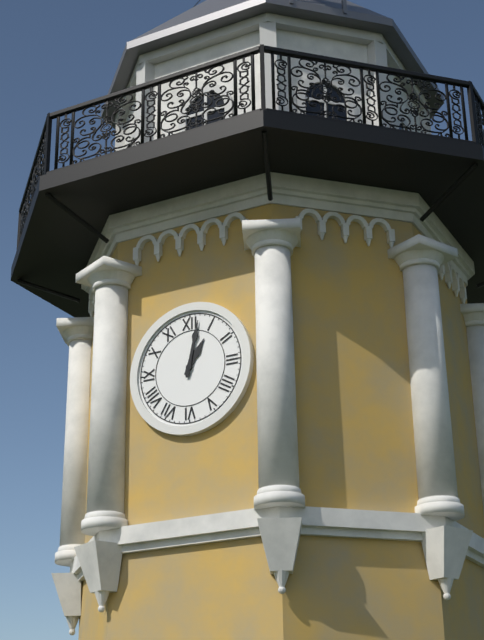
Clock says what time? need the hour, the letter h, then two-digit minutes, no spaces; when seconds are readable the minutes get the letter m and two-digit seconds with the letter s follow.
1h02
